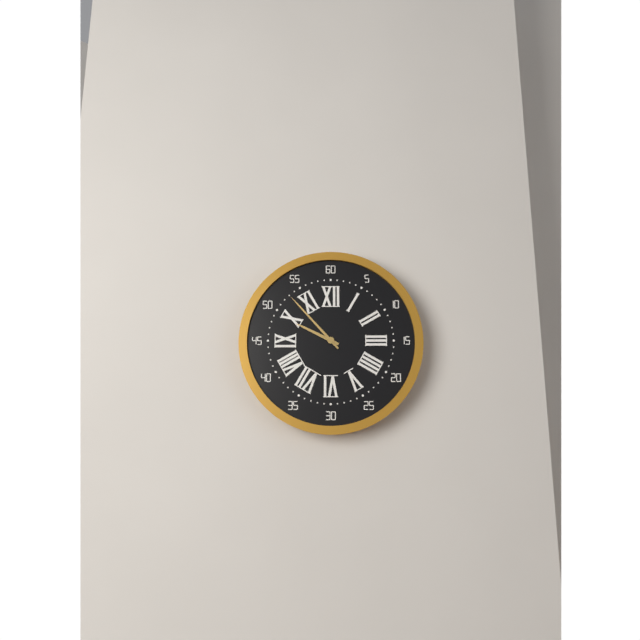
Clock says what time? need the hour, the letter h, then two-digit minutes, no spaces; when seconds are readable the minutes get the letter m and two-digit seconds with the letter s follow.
9h53
